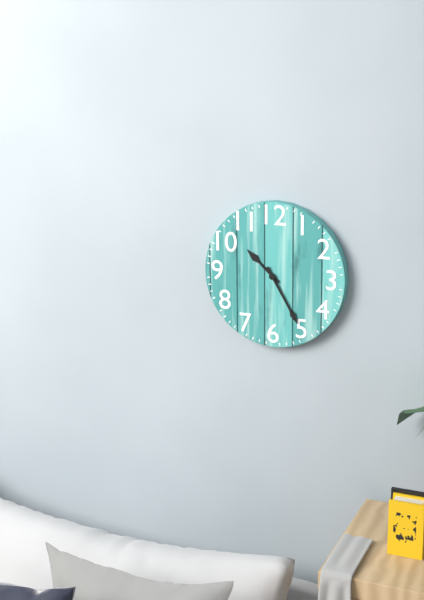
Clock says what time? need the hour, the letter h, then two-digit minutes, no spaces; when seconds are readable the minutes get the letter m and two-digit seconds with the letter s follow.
10h25
